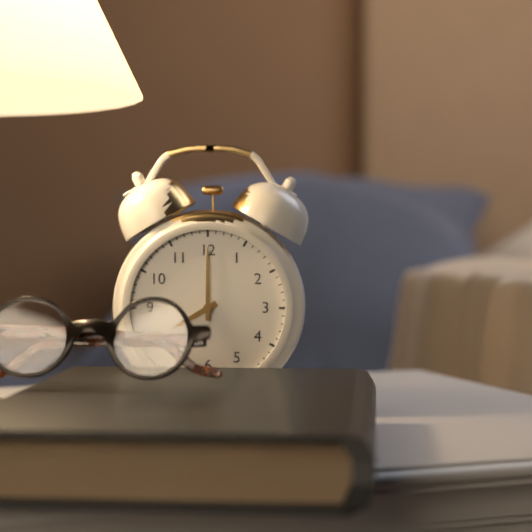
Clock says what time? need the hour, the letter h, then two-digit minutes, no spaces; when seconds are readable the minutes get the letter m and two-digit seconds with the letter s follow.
8h00
